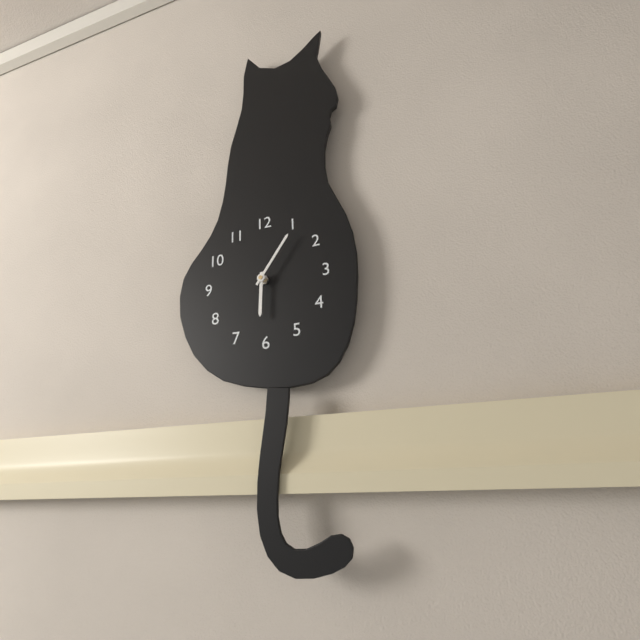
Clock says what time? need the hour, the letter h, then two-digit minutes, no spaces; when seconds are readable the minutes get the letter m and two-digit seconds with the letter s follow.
6h06
